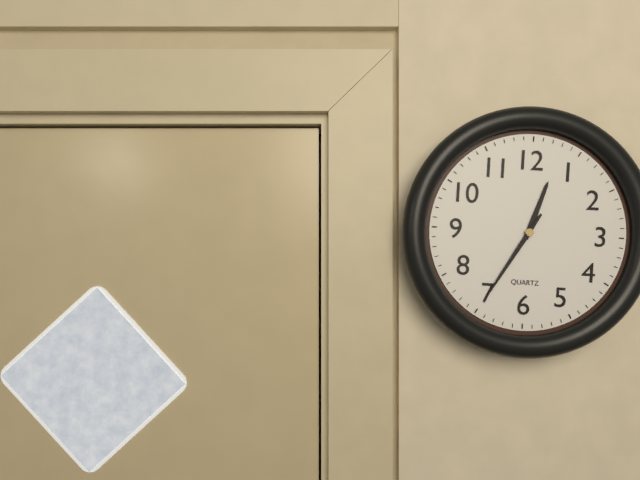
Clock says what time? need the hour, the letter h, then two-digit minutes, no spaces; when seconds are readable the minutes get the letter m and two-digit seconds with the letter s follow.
12h35
